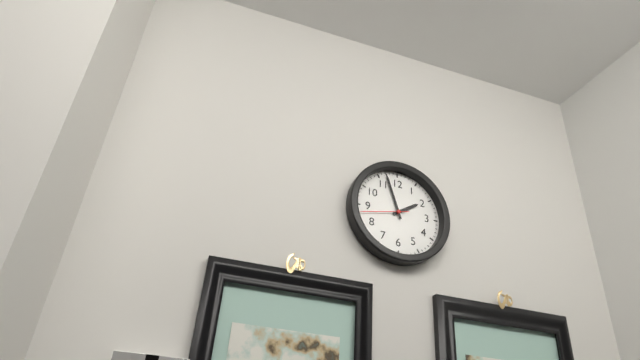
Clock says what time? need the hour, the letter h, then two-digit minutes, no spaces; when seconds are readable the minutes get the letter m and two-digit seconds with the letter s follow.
1h57
